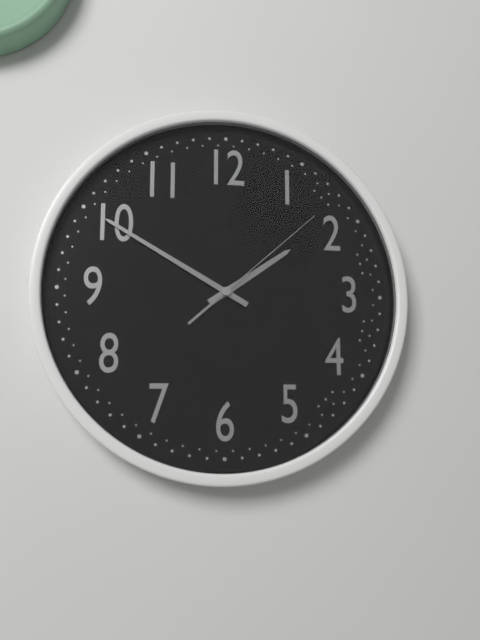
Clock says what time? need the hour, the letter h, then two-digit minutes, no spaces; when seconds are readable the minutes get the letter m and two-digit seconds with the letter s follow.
1h50m08s
